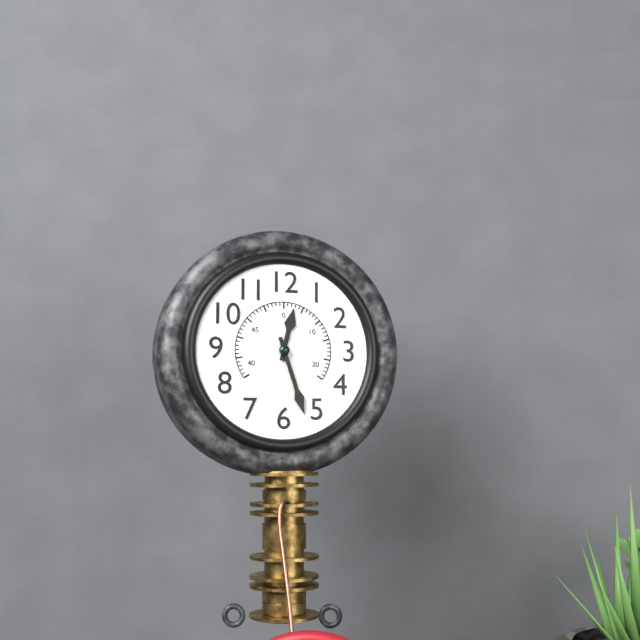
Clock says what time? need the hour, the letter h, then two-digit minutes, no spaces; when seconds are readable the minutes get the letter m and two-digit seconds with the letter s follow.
12h27
